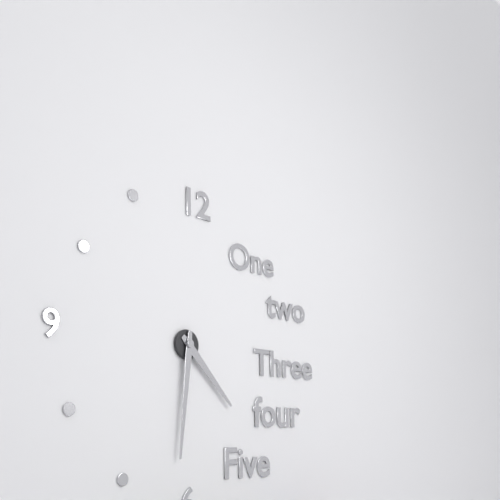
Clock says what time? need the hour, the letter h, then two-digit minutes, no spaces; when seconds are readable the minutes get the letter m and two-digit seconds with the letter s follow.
4h31
